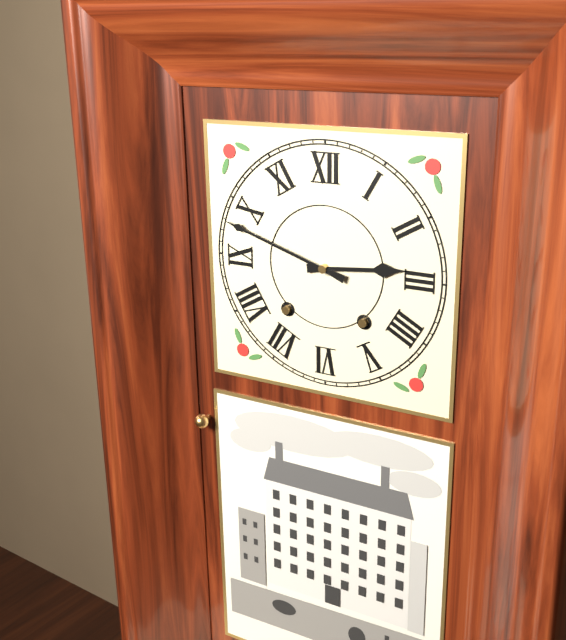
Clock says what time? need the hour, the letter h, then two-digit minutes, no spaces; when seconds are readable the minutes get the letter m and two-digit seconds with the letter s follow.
2h48
